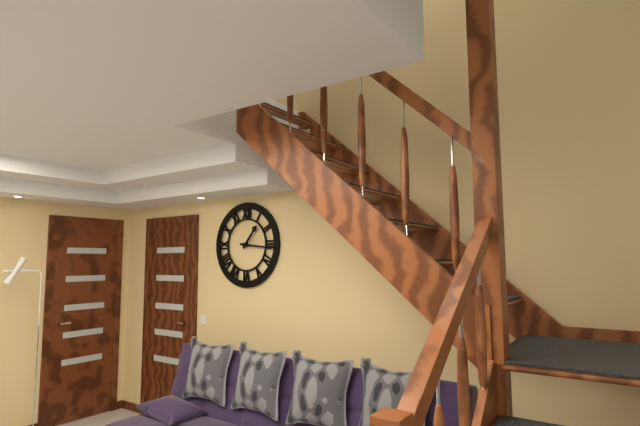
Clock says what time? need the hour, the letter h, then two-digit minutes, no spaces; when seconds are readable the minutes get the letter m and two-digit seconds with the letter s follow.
1h16
